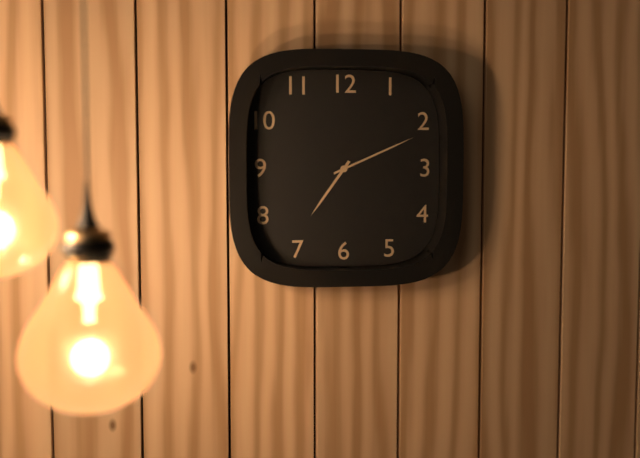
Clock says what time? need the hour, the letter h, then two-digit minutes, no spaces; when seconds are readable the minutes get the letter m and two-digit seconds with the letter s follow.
7h11
